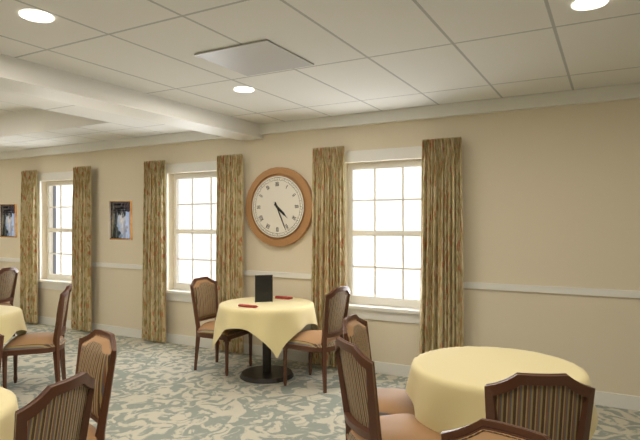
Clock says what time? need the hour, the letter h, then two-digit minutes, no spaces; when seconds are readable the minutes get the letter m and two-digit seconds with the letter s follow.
4h26
